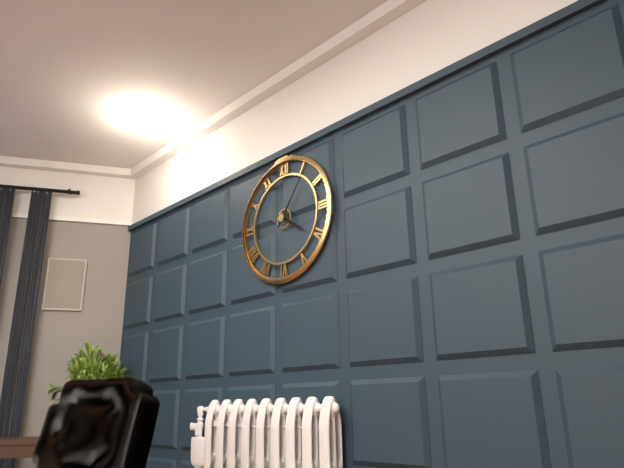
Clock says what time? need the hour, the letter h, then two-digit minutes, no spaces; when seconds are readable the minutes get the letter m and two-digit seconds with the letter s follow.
4h06
